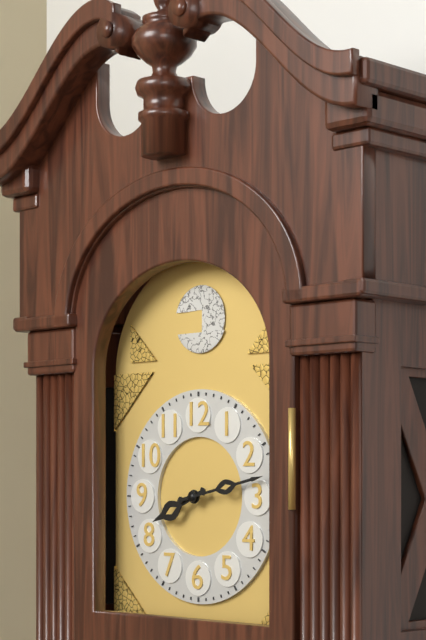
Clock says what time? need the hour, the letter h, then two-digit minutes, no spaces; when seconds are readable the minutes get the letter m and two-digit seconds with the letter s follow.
8h13
